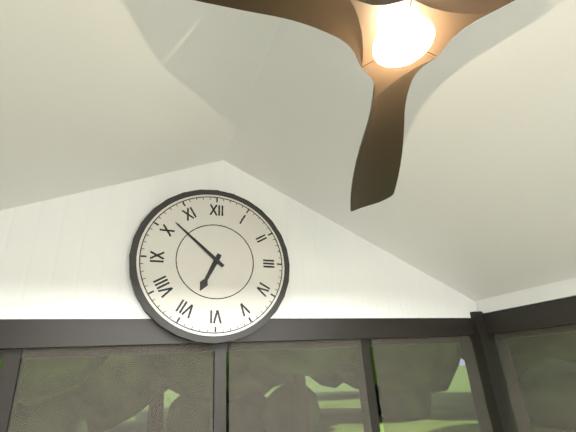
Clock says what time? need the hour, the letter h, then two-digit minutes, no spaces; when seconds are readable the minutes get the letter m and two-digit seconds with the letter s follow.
6h52
